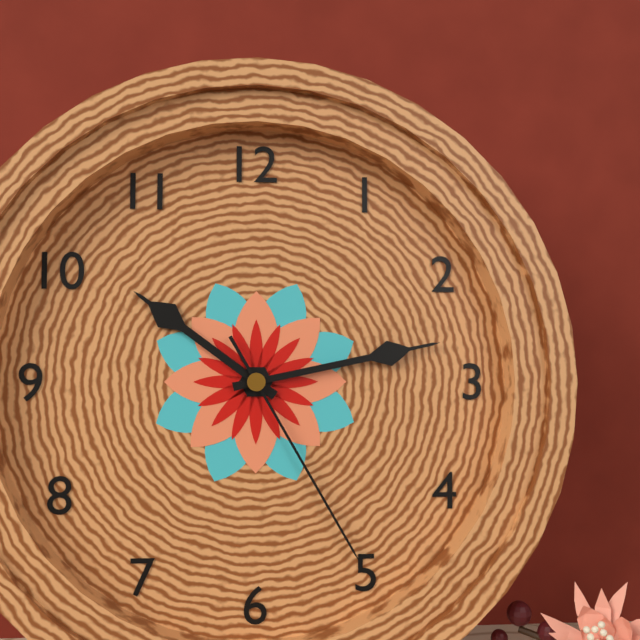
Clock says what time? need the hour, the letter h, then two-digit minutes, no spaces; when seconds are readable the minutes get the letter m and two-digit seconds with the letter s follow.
10h13m25s
